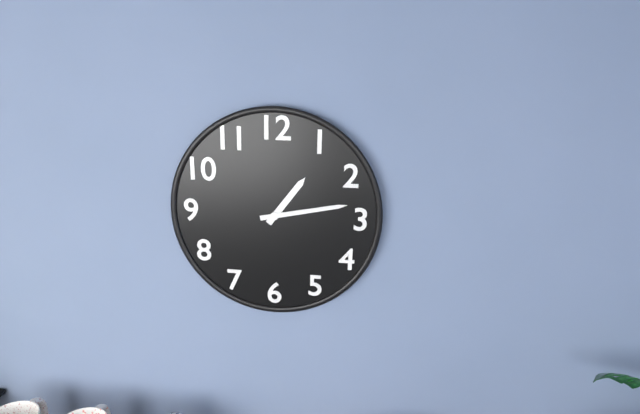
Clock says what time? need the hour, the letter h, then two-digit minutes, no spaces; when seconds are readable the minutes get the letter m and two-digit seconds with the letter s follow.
1h13
